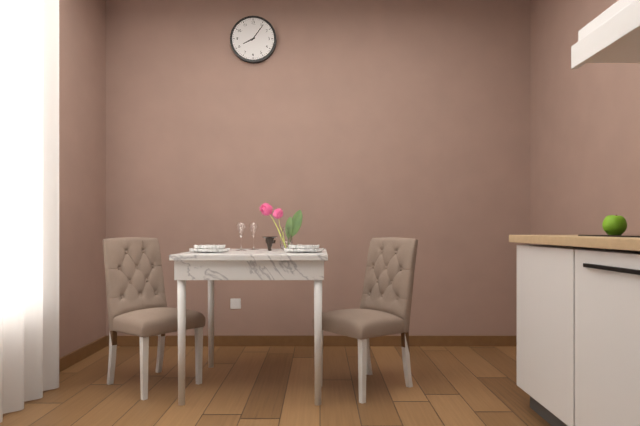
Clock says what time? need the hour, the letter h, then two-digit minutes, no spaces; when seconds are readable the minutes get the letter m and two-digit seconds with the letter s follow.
8h06
